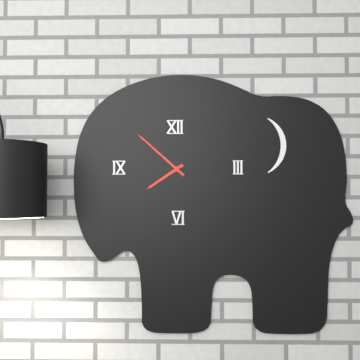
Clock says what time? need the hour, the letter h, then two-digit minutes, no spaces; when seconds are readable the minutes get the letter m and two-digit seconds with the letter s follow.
7h52
